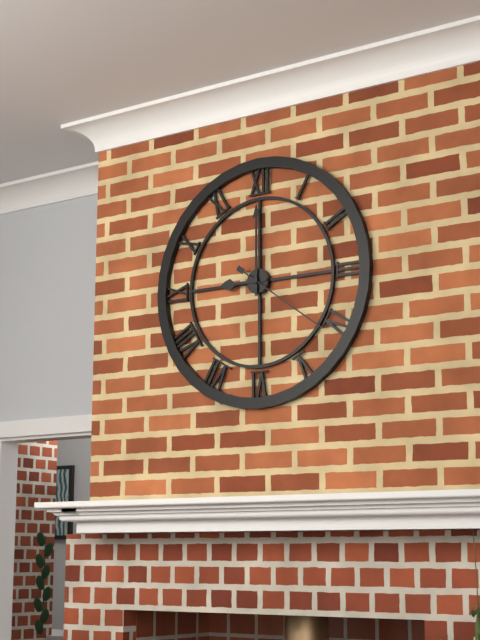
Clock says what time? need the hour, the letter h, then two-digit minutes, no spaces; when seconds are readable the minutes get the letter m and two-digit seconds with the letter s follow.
9h00m21s
